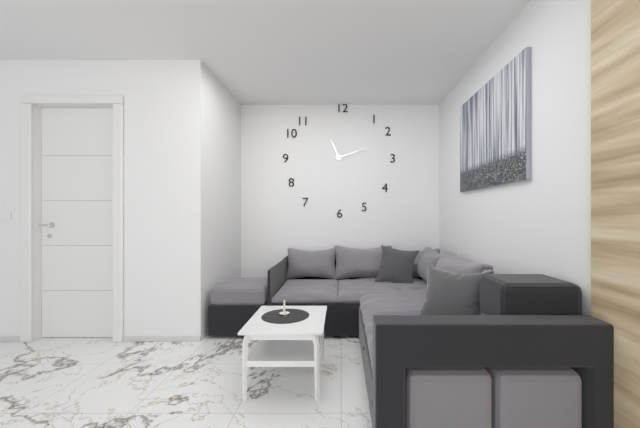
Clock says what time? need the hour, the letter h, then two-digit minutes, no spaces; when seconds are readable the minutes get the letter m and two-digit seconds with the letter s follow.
11h12
